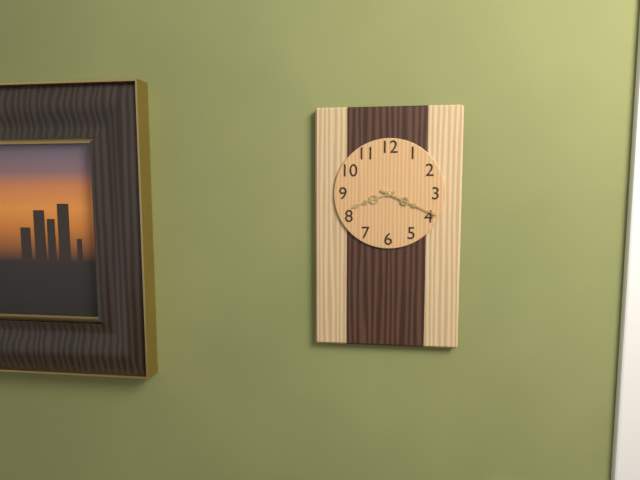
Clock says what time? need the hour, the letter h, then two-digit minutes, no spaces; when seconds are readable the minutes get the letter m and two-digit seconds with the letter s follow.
8h19
